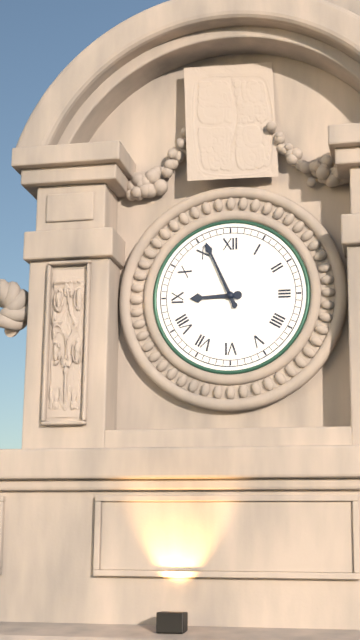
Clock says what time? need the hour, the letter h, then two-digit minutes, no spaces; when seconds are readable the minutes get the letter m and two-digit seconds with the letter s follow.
8h56
